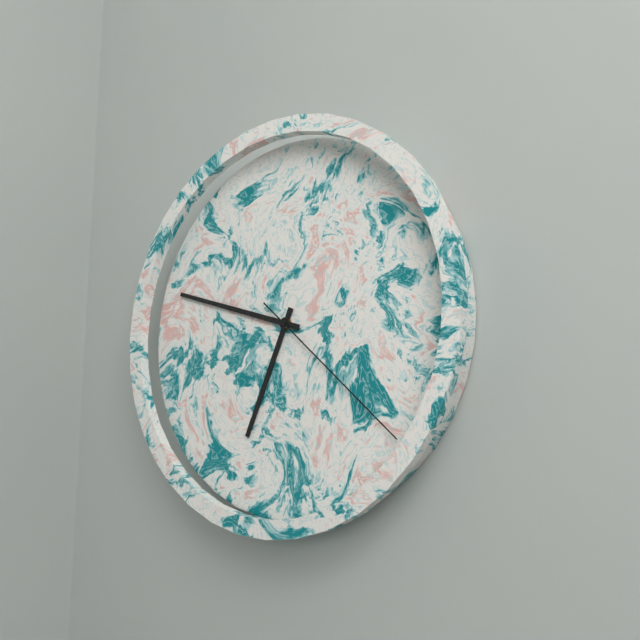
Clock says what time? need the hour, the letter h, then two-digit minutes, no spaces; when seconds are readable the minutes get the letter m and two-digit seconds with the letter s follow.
6h48m22s
